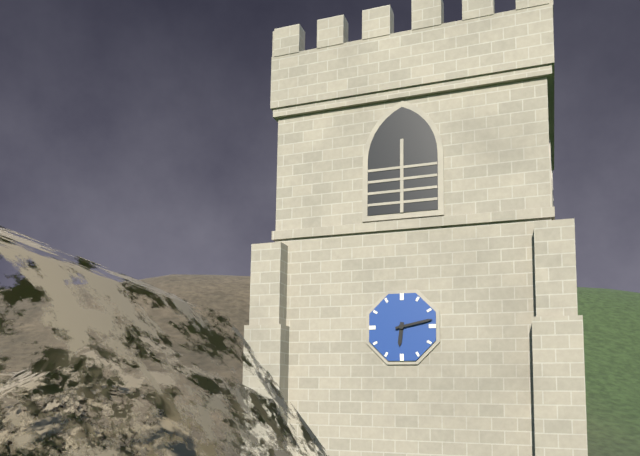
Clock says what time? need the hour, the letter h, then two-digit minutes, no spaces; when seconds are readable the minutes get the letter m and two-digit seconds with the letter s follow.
6h13
